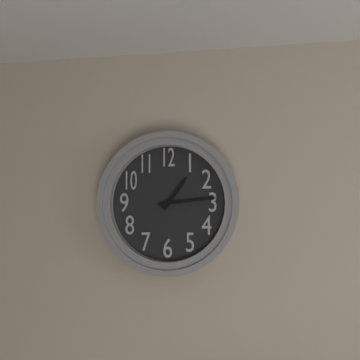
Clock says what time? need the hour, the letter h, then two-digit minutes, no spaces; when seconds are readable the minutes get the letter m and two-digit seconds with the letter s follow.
1h14
